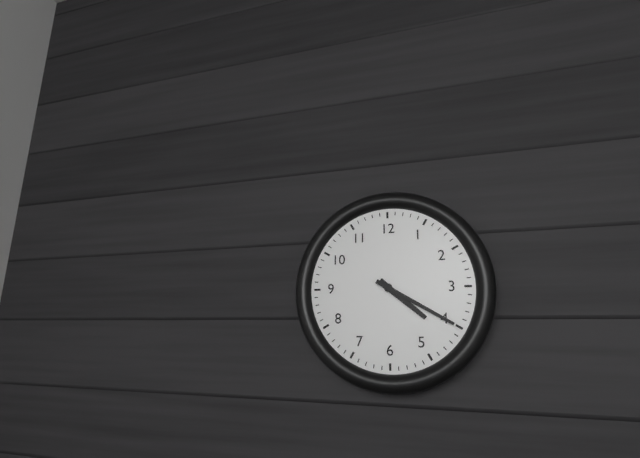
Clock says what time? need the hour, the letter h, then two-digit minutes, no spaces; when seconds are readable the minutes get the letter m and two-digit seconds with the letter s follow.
4h20
